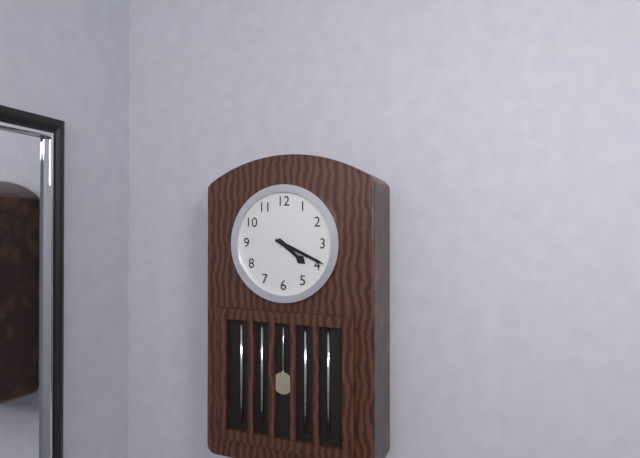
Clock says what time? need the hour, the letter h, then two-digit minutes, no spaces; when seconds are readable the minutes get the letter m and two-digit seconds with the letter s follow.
4h19
